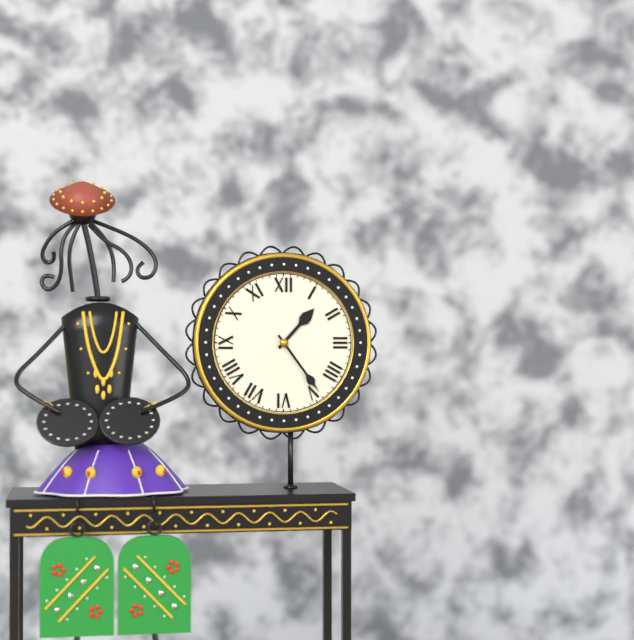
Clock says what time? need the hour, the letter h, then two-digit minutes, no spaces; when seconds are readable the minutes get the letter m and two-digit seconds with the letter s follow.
1h24
